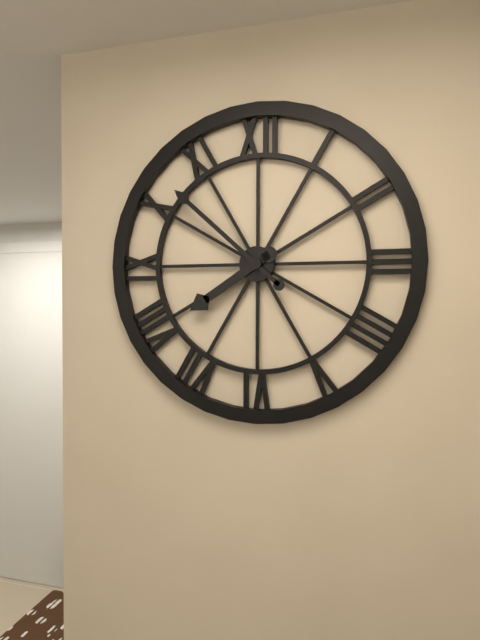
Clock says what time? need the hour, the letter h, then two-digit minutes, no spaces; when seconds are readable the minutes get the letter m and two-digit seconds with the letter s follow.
7h52
